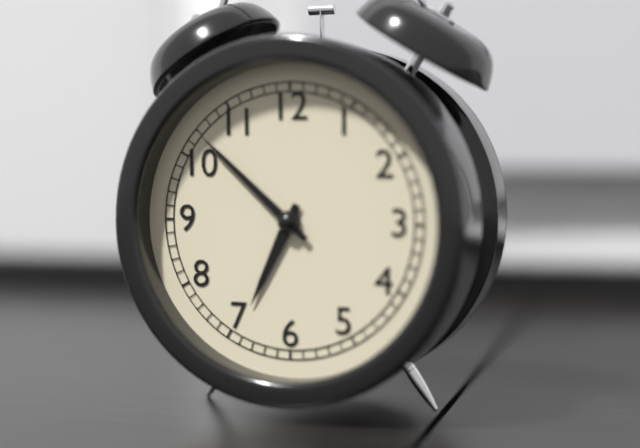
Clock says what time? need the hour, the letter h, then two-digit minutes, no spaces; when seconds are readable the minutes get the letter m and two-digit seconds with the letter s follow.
6h52
